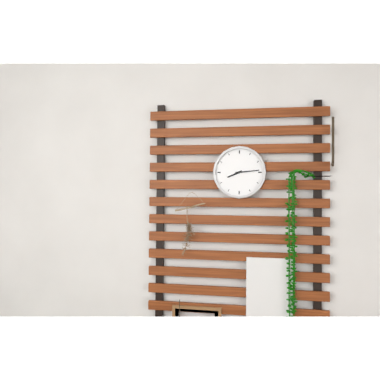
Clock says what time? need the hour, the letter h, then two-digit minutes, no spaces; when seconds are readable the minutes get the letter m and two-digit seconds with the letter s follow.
8h14
